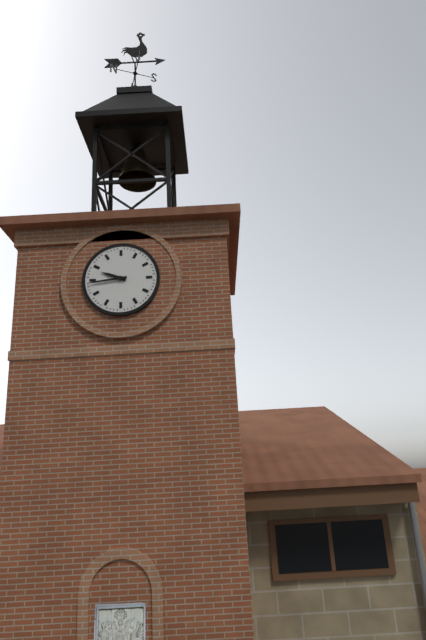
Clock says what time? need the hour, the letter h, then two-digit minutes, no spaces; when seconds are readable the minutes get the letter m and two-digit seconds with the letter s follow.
9h44
